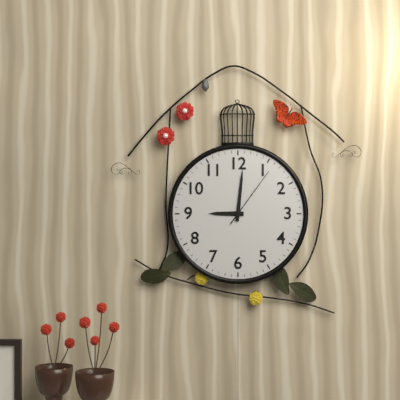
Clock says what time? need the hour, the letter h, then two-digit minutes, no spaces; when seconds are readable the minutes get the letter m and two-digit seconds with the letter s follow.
9h01m06s
